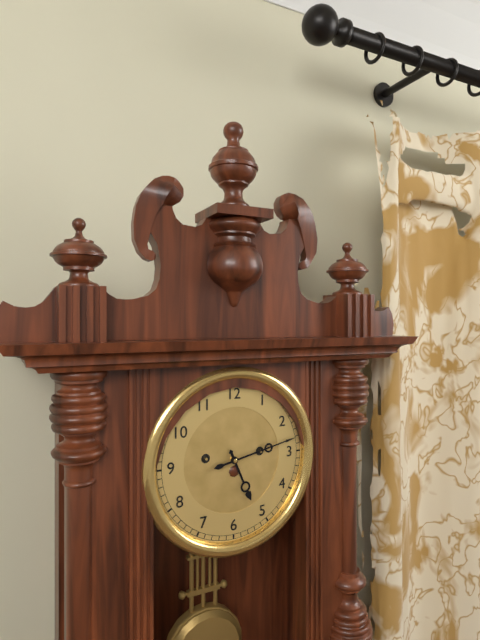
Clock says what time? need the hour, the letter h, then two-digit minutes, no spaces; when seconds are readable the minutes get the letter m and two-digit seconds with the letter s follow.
5h13
